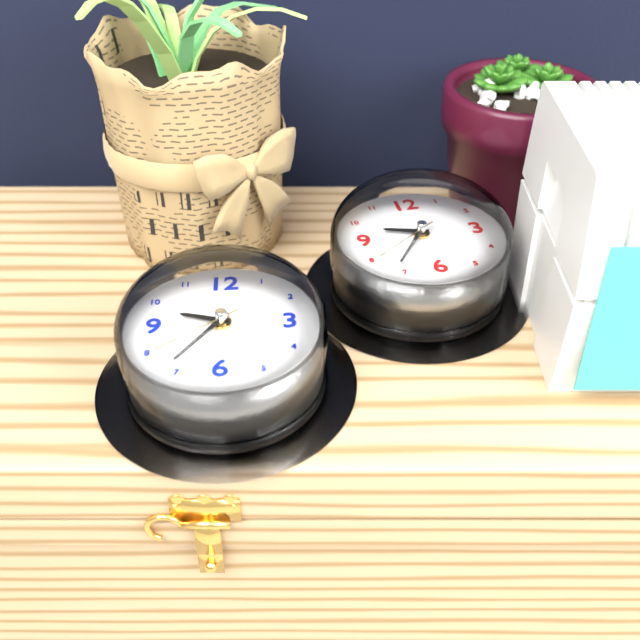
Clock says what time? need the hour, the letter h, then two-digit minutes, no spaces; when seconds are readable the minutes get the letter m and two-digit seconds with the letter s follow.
9h36m39s
